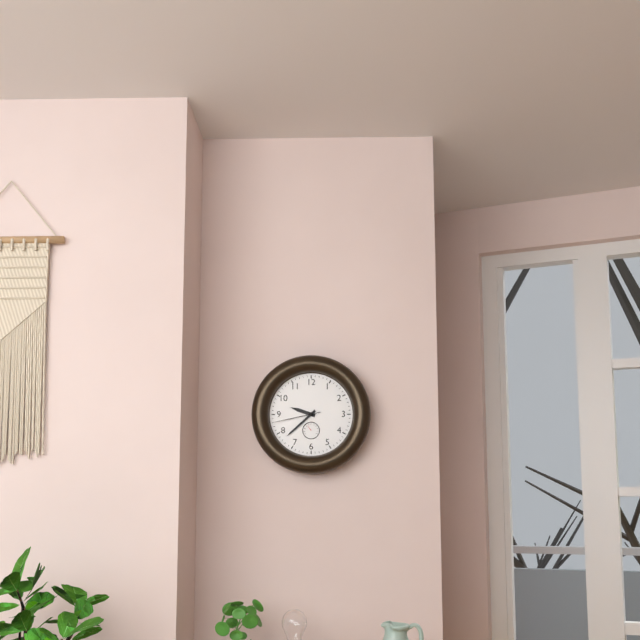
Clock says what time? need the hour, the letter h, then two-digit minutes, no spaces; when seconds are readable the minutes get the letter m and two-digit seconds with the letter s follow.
9h38
